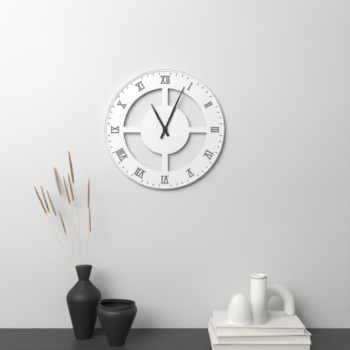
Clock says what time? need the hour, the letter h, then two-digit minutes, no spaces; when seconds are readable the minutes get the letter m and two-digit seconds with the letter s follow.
11h04
